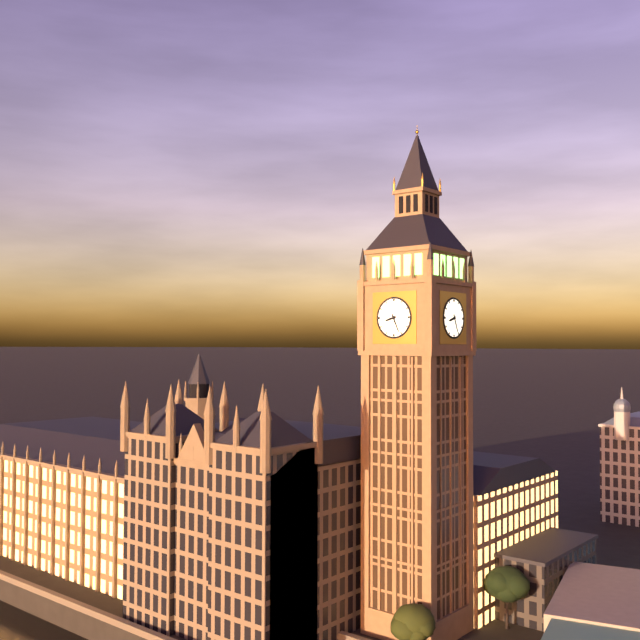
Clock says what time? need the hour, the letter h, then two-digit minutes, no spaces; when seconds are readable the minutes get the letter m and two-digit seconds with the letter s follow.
8h26
